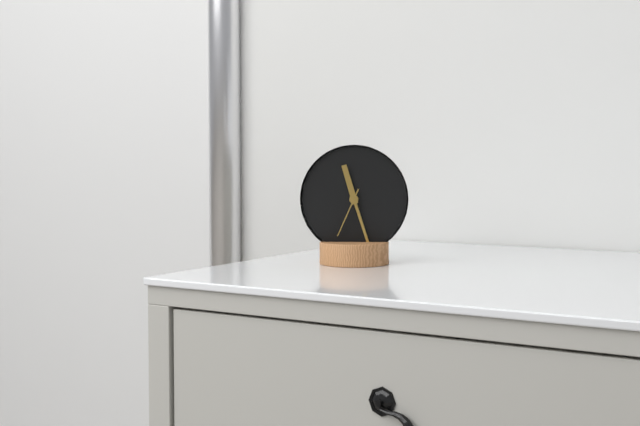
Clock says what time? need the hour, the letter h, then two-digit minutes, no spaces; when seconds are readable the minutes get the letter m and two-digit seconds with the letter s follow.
11h27m34s
